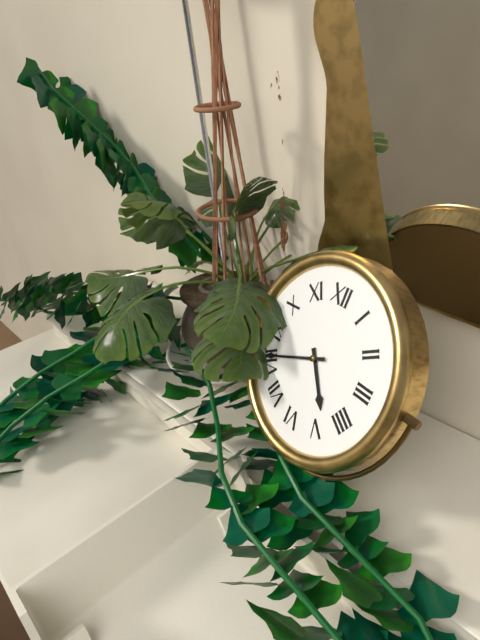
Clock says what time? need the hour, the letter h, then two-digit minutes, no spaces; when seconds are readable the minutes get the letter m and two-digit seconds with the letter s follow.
4h41
